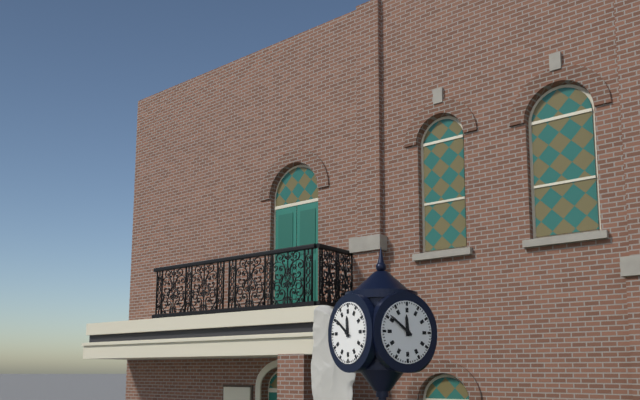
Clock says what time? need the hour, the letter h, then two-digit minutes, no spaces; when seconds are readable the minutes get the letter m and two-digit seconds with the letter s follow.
11h51
